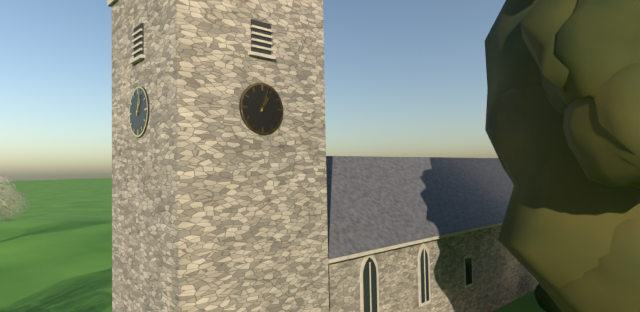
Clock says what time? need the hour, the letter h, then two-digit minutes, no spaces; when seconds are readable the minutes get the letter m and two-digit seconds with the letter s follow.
1h03
